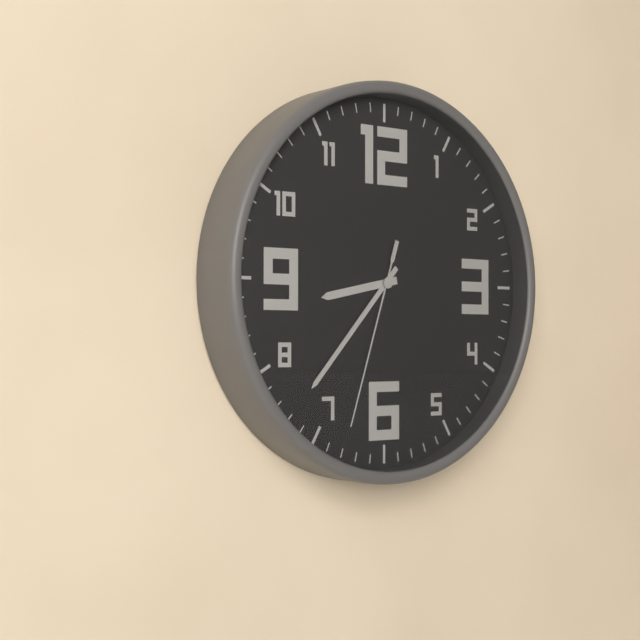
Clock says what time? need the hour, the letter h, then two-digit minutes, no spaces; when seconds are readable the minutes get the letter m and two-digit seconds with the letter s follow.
8h37m33s
